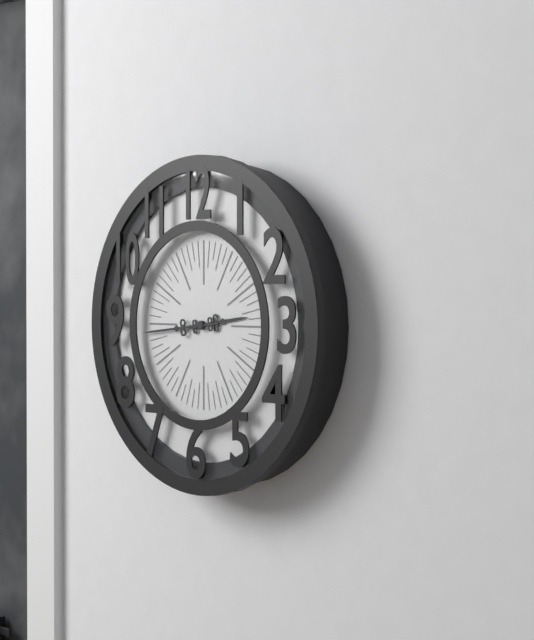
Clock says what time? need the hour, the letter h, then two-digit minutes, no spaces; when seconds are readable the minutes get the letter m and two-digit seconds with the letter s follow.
2h44
